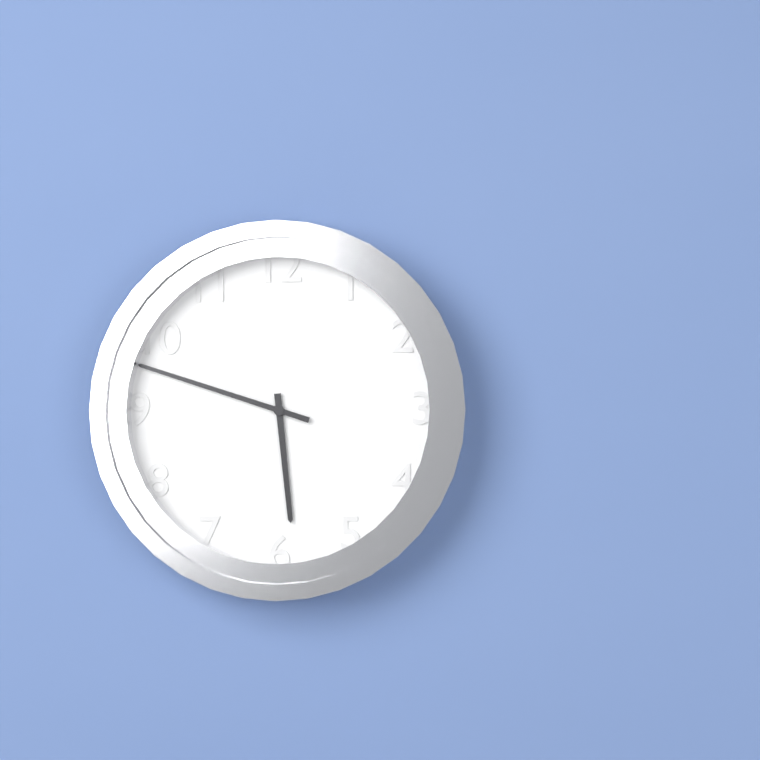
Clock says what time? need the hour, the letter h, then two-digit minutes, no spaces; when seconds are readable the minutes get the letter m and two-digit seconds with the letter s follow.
5h48
